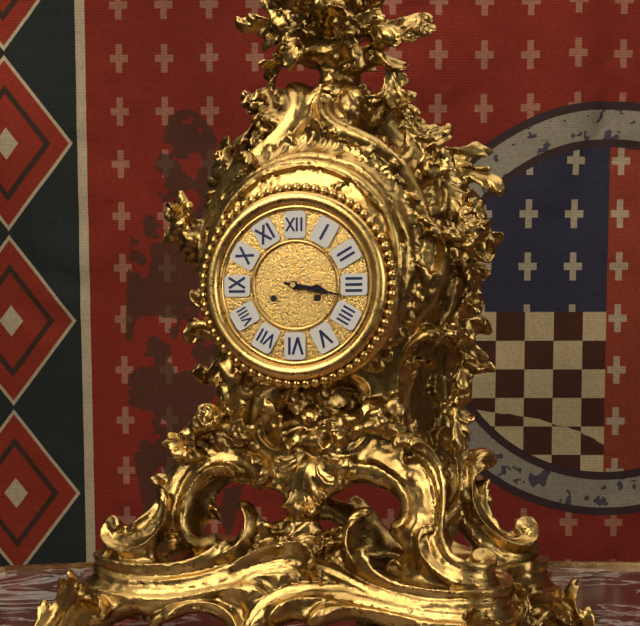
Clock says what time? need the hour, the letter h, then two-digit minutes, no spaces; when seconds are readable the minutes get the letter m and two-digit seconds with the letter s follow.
3h17
